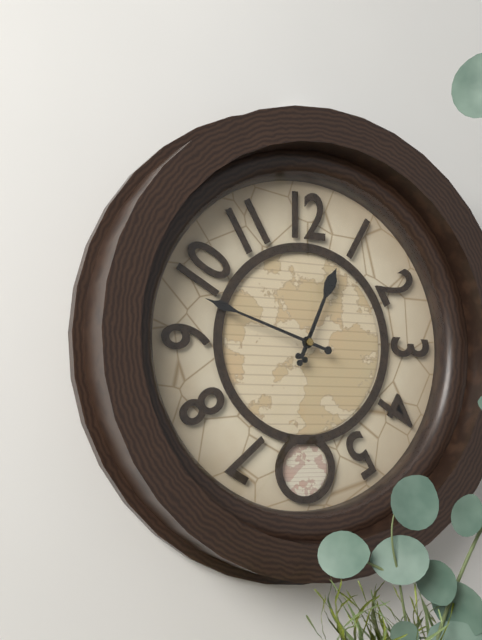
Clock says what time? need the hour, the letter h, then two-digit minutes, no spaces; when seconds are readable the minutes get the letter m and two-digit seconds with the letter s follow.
12h48
